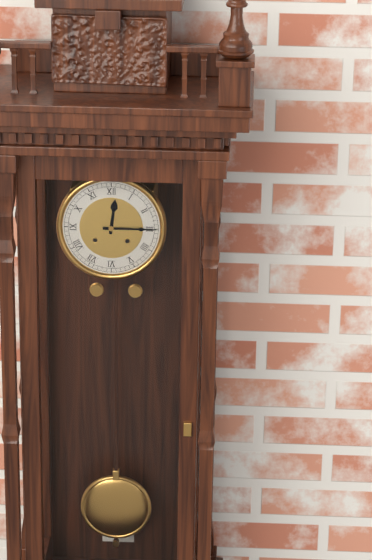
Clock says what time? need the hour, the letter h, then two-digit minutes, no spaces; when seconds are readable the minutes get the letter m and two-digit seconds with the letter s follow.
12h15
